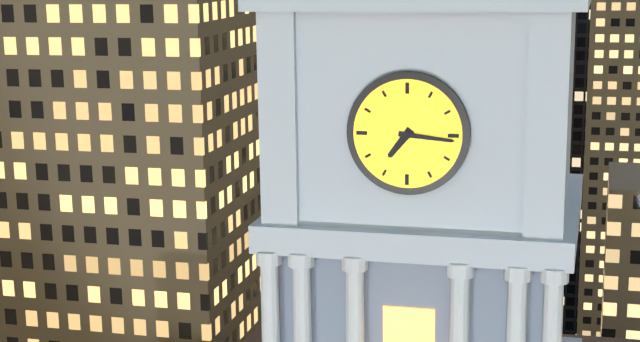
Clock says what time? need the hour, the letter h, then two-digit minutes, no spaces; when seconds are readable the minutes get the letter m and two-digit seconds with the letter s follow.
7h16
